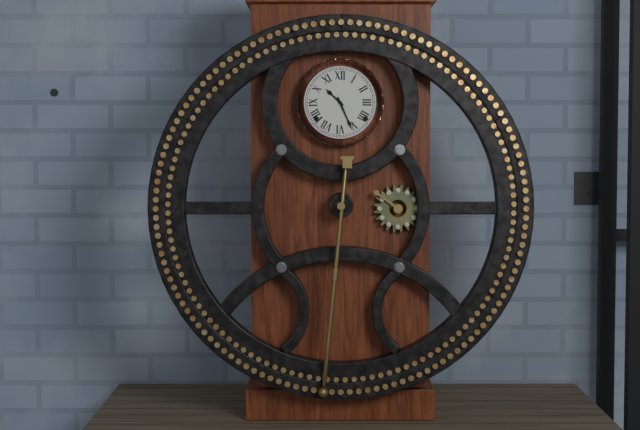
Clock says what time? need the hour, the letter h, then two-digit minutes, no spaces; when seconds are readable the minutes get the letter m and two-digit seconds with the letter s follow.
10h26
